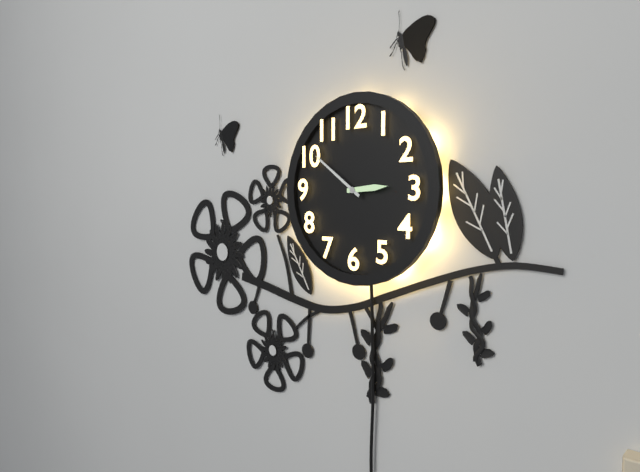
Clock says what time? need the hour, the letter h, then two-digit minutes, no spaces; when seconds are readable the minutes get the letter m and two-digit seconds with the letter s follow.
2h51
